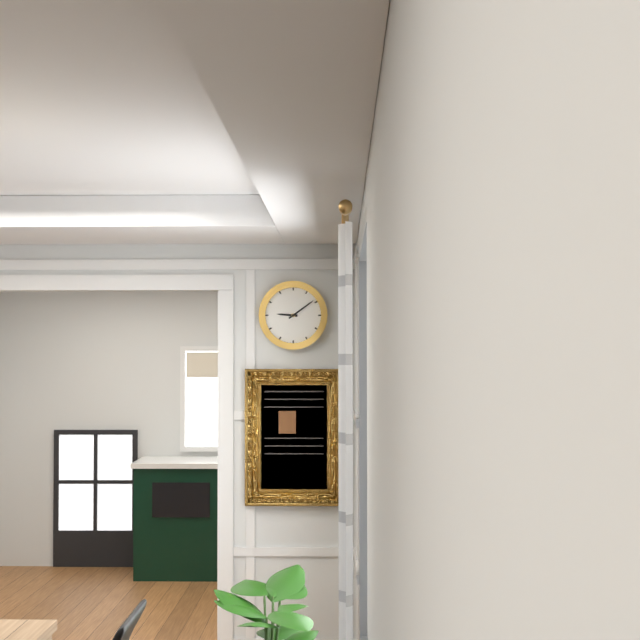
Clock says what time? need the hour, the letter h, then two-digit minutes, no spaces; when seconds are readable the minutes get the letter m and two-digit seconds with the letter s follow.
9h09
